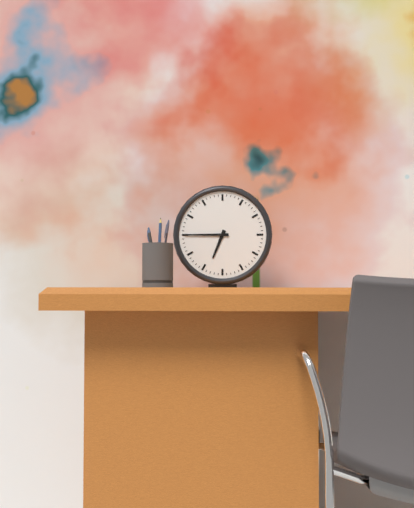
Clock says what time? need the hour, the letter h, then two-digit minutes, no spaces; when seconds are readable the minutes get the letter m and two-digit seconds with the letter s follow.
6h45
